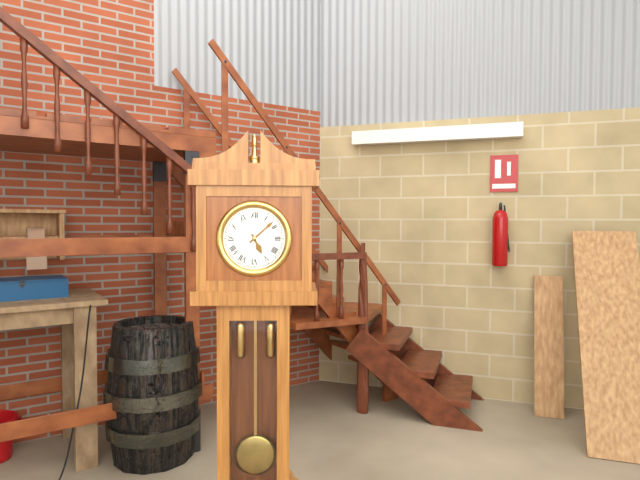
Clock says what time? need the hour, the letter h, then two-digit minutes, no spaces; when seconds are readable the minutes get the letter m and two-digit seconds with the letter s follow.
5h08
